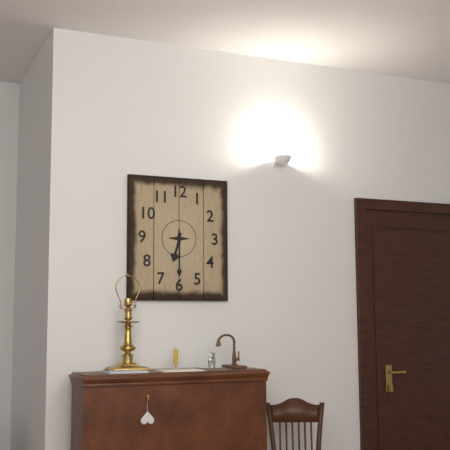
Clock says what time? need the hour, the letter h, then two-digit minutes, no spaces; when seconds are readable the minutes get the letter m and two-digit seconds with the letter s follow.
6h30
